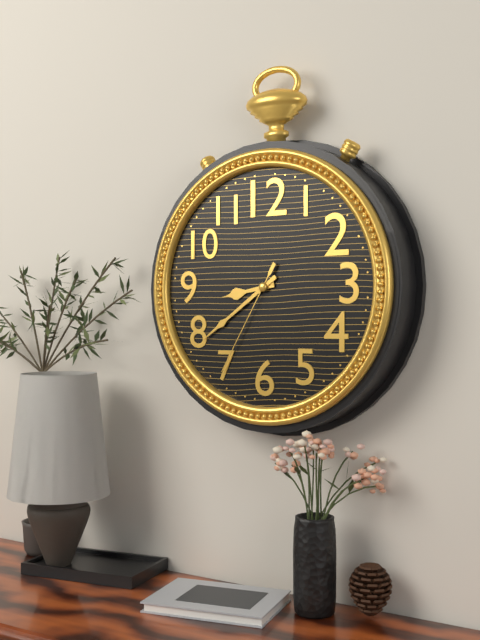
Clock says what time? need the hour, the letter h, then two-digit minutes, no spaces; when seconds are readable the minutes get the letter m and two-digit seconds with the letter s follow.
8h39m35s
